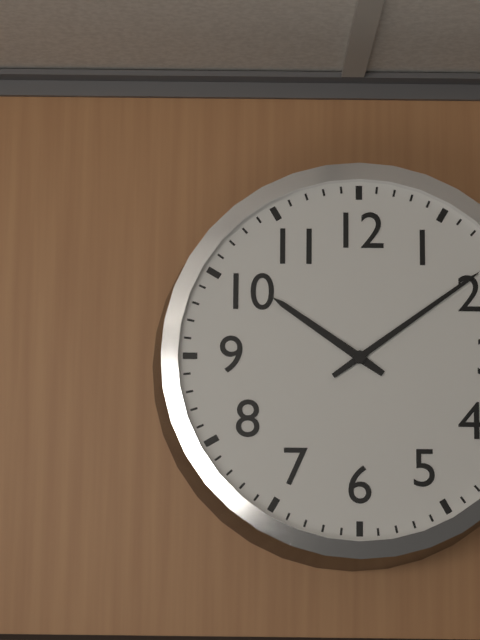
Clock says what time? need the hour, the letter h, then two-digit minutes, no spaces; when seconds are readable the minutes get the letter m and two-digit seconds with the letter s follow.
10h09
